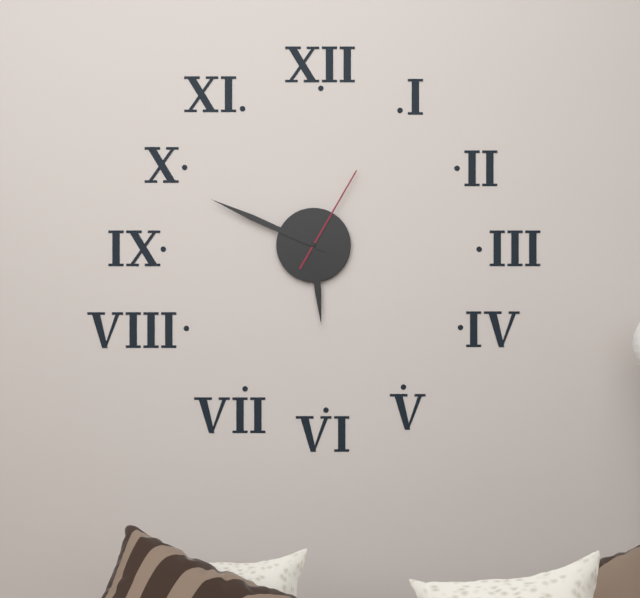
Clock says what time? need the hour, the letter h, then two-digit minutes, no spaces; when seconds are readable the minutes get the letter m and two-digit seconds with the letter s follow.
5h49m05s
